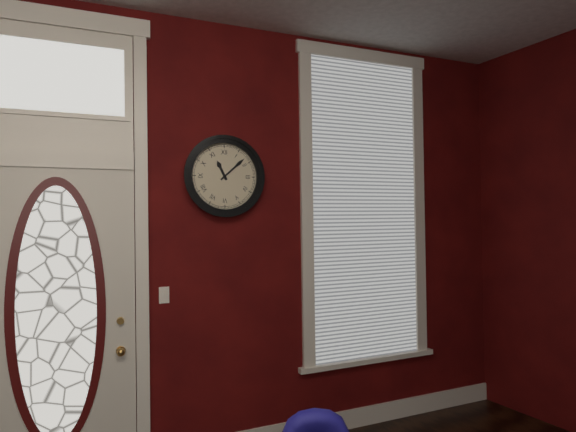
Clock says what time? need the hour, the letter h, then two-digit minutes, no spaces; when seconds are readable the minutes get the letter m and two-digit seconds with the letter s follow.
11h08
